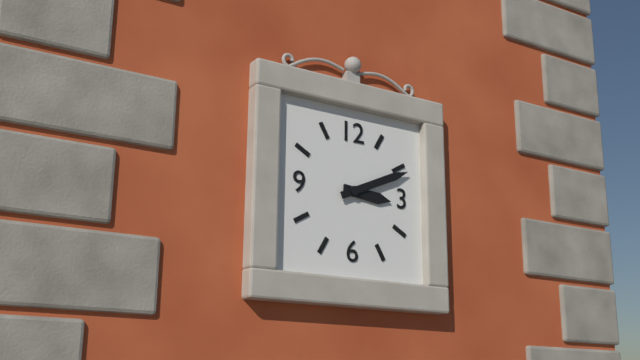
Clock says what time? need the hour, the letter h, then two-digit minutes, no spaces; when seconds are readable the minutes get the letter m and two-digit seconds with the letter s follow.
3h11
